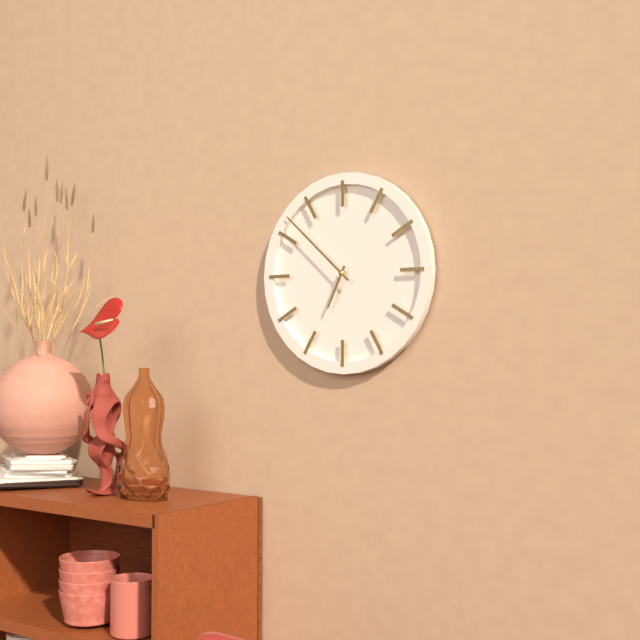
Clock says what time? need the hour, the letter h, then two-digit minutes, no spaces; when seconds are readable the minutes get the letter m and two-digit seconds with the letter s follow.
6h52
